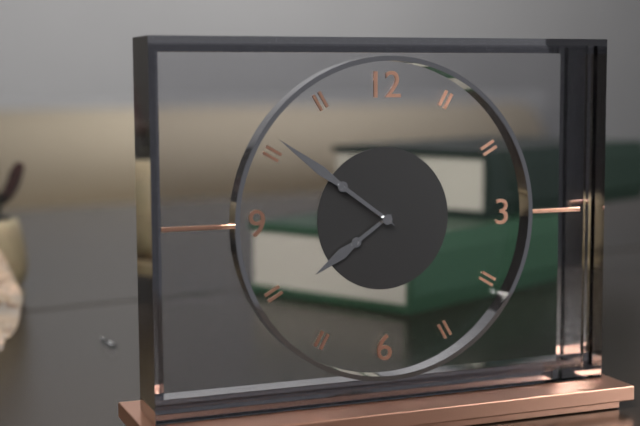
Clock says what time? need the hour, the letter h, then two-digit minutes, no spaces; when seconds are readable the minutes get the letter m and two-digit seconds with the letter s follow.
7h51
